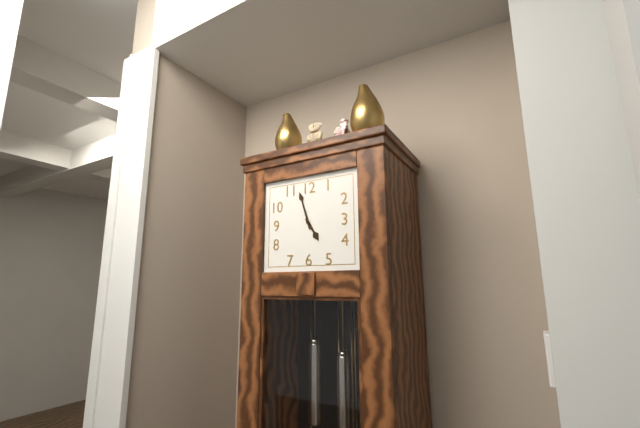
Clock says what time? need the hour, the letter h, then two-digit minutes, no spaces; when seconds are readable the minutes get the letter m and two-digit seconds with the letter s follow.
4h57
